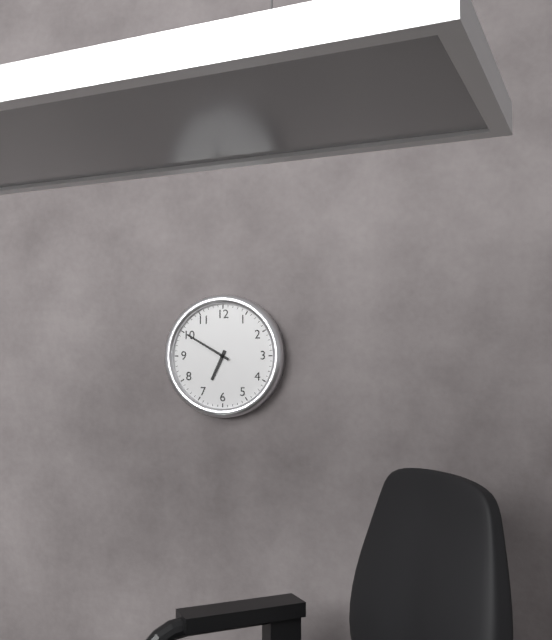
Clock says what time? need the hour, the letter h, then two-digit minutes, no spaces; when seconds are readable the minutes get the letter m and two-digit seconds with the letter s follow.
6h50
